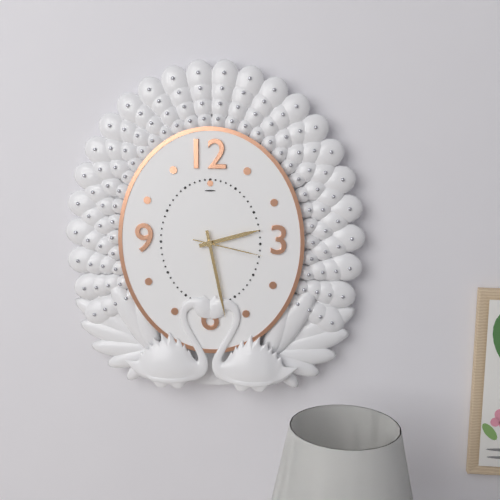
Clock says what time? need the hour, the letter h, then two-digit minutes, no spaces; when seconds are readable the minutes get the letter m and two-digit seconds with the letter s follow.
2h28m17s
